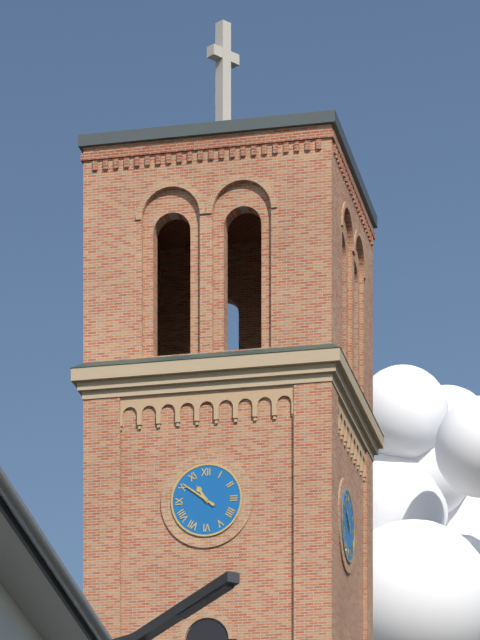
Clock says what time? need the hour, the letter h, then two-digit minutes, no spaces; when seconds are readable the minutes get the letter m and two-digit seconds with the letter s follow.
10h51
